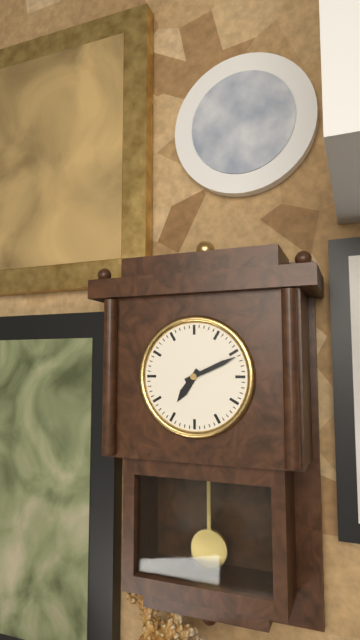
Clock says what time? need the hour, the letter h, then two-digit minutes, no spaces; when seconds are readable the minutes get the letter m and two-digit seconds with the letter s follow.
7h11
